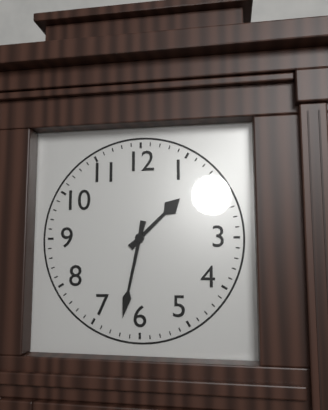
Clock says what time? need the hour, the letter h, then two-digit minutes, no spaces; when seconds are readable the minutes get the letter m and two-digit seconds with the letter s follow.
1h32
